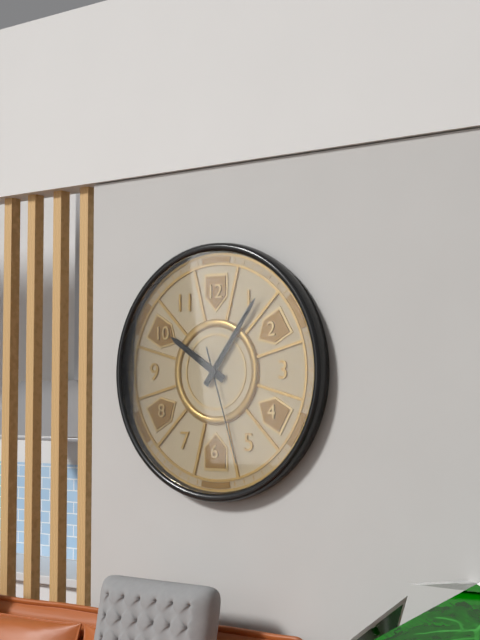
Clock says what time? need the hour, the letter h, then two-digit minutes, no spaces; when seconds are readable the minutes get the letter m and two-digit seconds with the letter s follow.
10h06m27s
